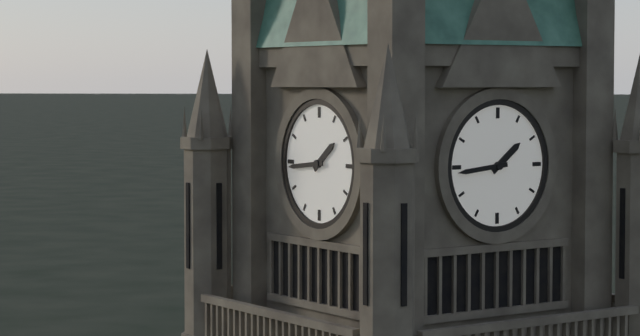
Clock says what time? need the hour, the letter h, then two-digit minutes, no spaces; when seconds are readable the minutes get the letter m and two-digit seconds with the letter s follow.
1h44
